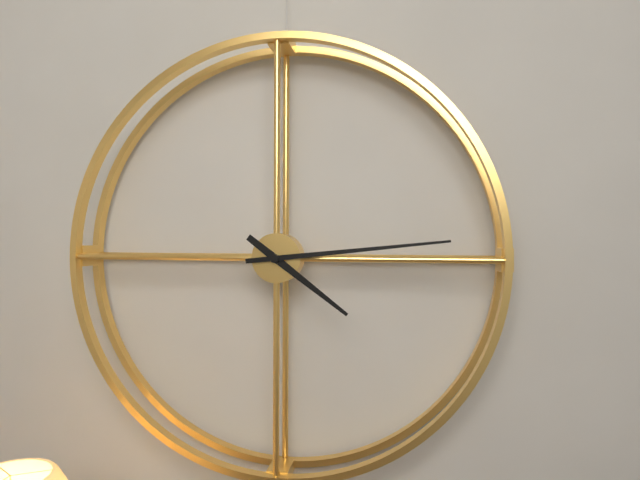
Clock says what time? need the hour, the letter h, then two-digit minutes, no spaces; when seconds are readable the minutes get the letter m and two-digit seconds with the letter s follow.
4h14
